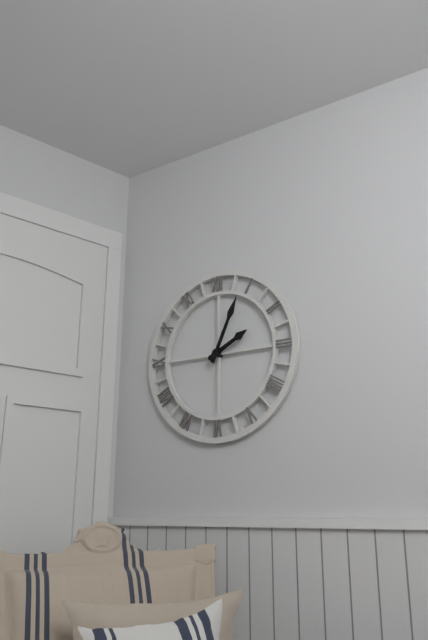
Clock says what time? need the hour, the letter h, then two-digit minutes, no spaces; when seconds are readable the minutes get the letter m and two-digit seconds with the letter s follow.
2h04
